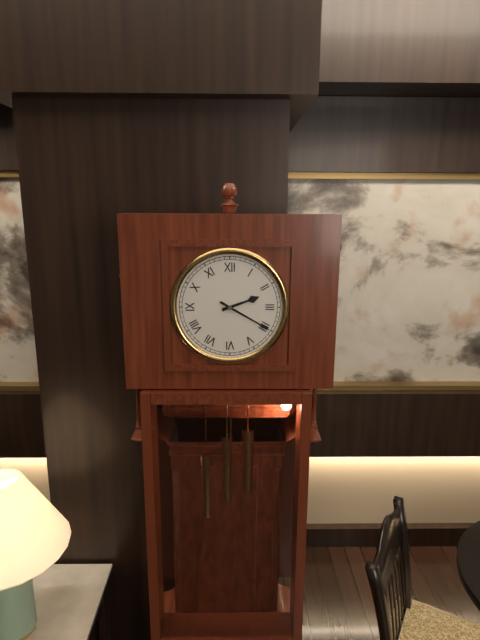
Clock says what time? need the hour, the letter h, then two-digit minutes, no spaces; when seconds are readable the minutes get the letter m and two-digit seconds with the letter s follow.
2h20
